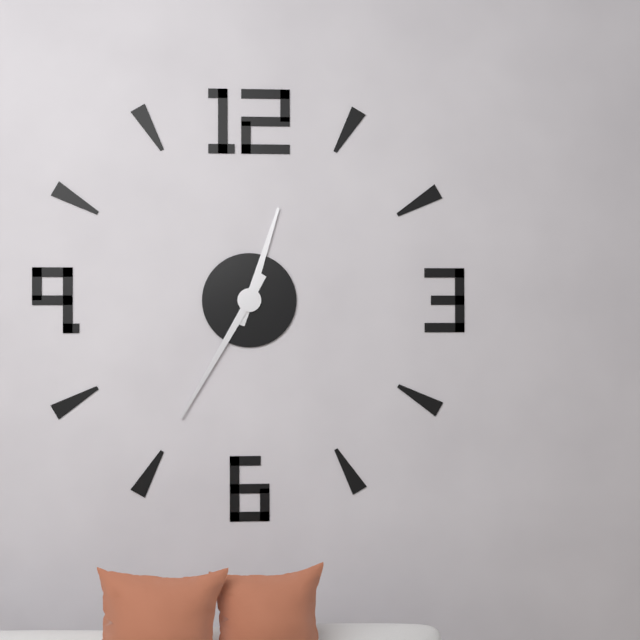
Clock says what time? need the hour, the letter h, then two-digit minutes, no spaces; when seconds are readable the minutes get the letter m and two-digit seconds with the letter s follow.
12h35
